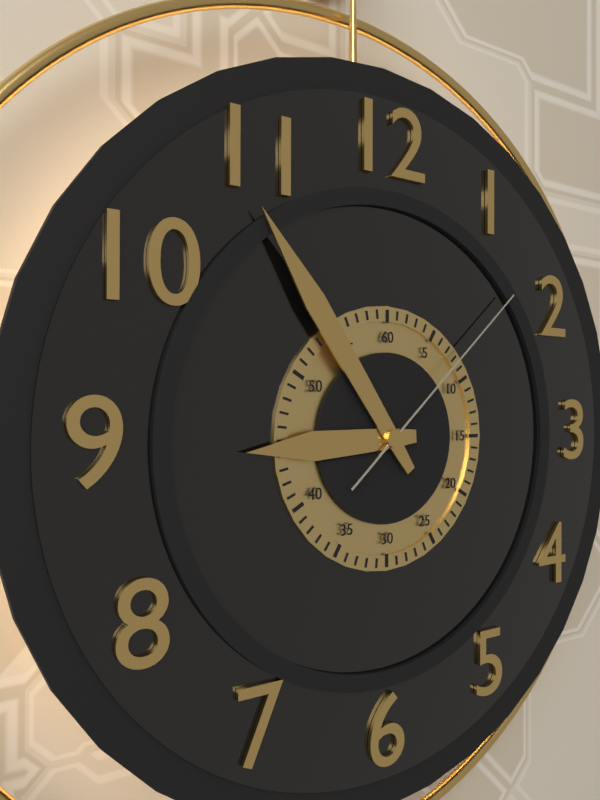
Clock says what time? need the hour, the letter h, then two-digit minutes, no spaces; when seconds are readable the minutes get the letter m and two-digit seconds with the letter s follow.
8h54m08s
